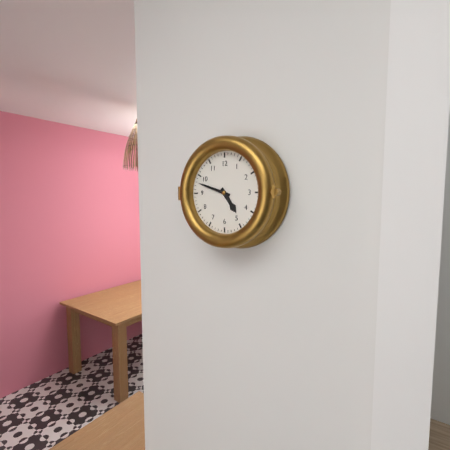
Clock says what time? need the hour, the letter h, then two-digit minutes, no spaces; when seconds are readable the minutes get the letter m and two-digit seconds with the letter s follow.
4h48
